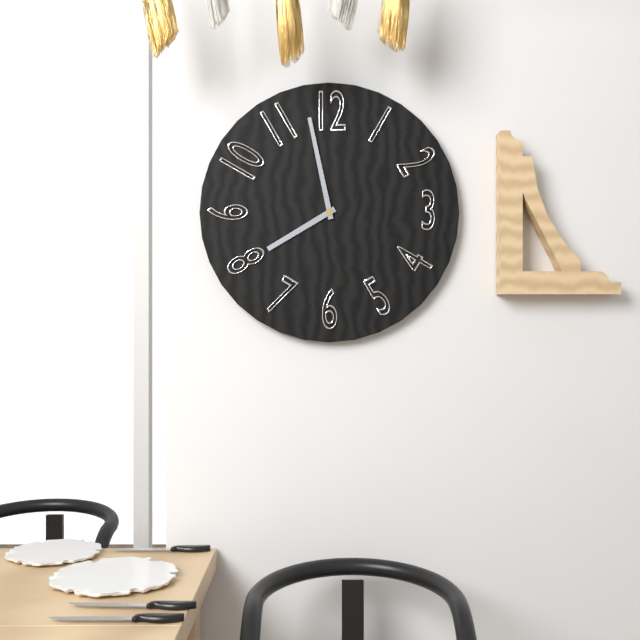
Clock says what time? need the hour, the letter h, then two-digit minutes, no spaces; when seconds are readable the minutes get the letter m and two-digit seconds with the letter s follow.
7h58
